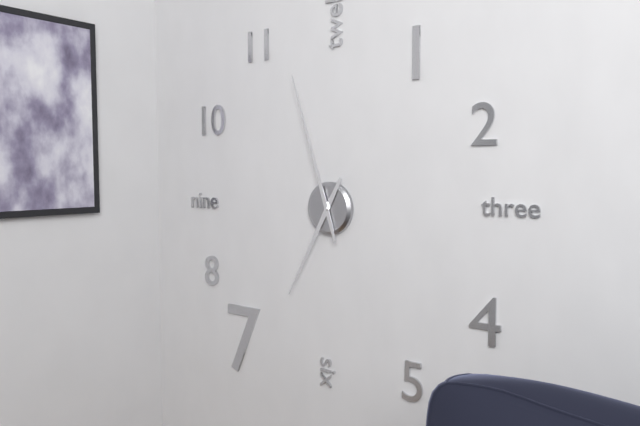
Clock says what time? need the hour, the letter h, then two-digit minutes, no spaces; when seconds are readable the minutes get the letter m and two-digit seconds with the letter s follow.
6h57
